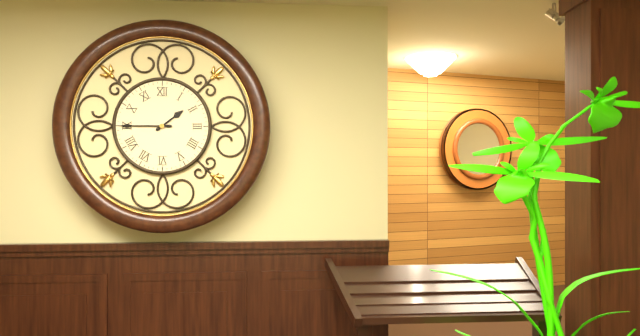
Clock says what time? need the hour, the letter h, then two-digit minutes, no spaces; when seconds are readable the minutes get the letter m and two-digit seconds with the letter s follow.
1h45
